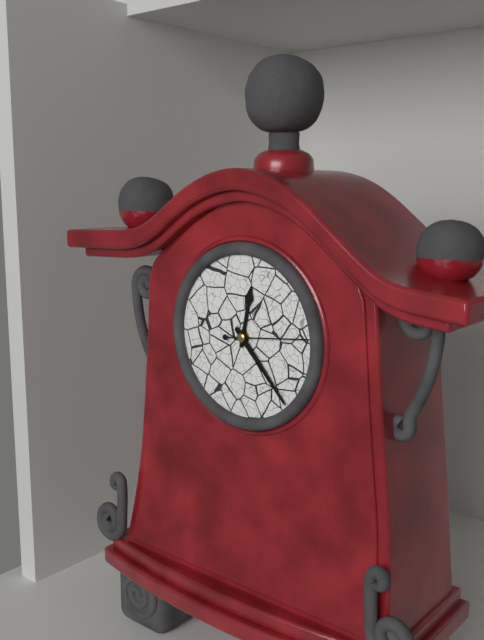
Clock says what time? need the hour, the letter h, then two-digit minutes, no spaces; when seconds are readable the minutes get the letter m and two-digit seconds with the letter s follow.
12h23m14s
